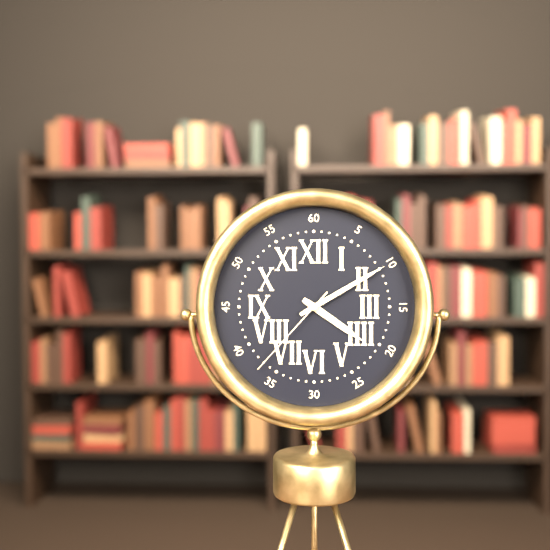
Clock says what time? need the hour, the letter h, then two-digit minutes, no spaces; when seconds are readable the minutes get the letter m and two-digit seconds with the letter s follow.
4h10m37s
